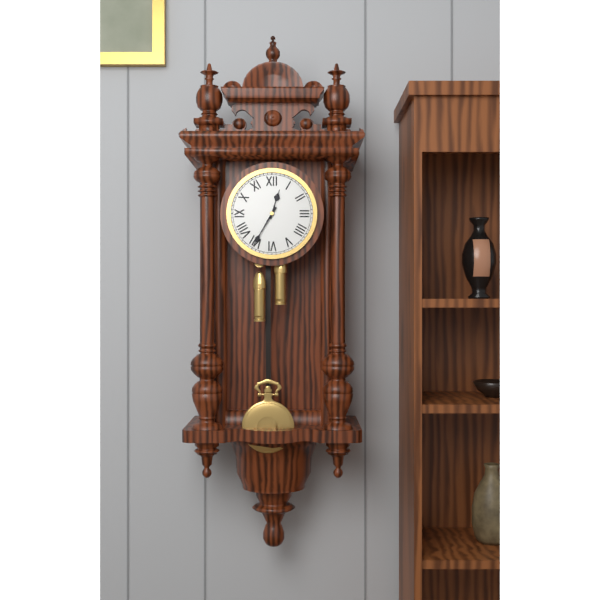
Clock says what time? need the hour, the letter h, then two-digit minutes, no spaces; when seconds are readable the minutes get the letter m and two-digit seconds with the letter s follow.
12h35
